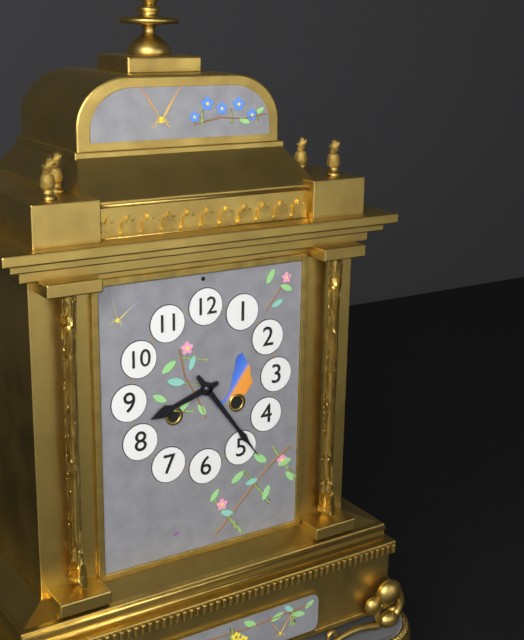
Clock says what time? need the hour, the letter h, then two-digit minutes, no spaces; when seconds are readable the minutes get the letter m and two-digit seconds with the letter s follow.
8h24
